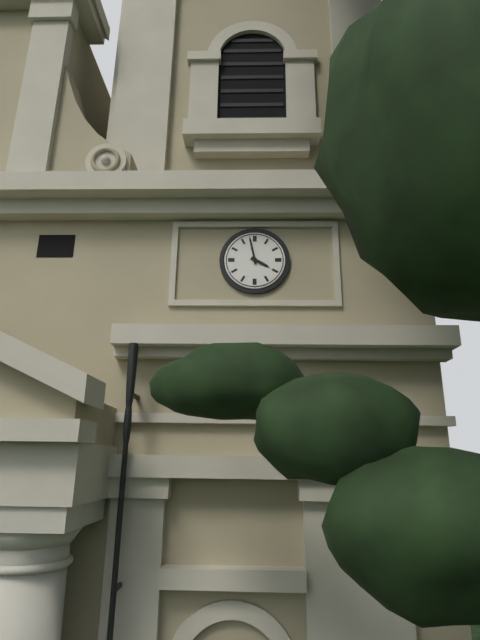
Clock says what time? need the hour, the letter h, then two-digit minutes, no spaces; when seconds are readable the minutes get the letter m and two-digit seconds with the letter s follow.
3h58
